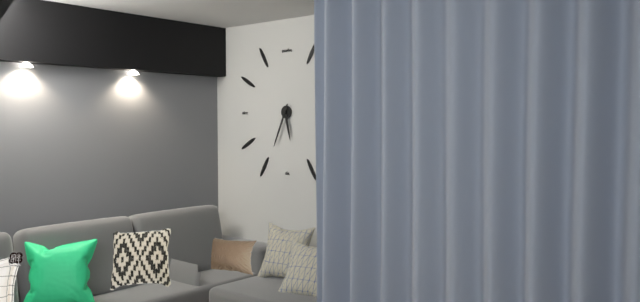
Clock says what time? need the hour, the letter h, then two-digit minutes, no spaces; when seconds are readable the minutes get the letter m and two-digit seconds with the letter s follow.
5h34
